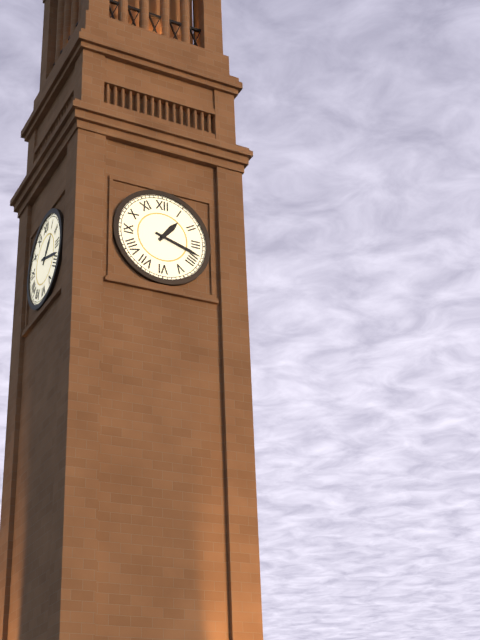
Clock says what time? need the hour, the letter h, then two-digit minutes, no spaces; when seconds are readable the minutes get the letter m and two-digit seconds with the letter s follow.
1h18
